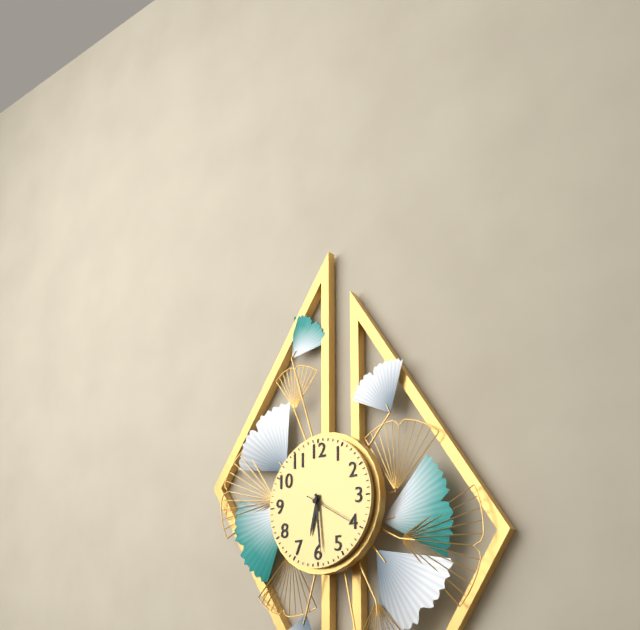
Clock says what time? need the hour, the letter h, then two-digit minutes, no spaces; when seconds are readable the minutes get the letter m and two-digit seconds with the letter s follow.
6h29m20s
